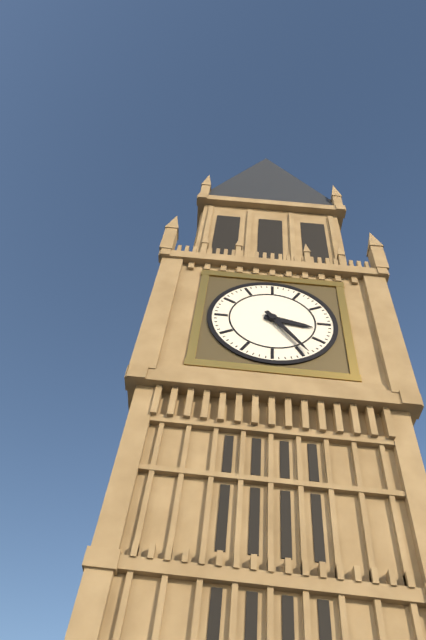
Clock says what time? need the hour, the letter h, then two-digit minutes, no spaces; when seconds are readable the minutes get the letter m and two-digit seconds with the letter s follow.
3h24
